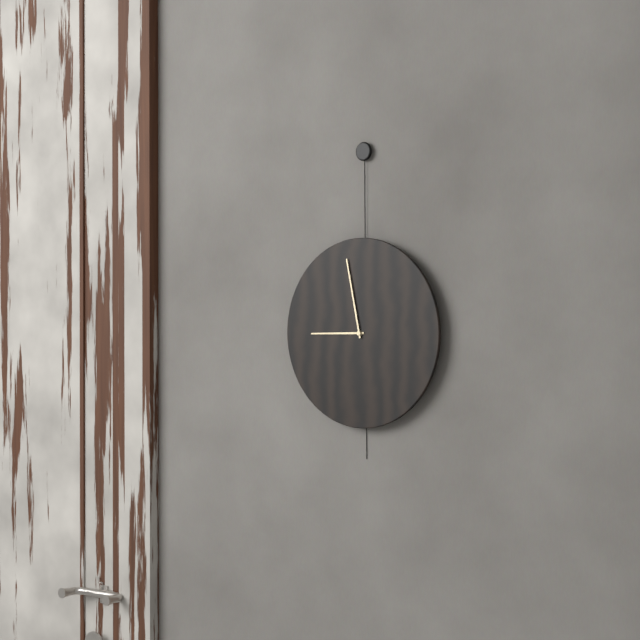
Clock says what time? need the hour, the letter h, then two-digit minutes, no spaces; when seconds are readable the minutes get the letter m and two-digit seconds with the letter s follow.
8h58
